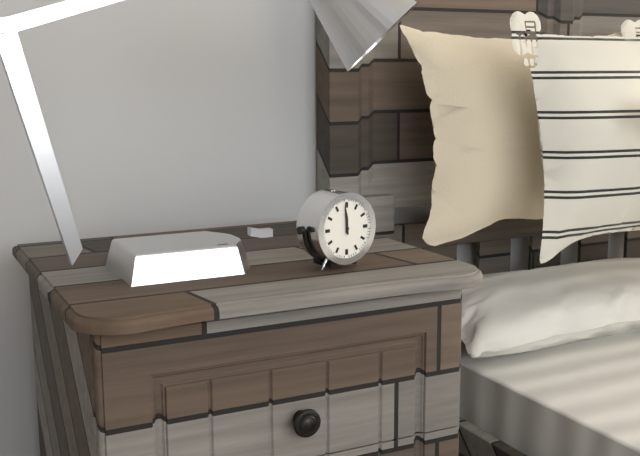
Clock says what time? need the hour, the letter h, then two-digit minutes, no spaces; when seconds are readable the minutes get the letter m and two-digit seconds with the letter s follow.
11h59
